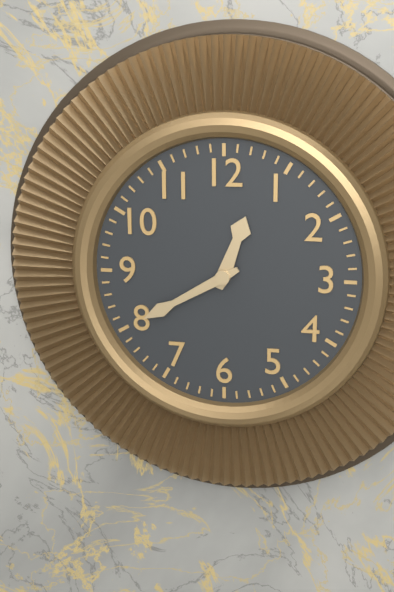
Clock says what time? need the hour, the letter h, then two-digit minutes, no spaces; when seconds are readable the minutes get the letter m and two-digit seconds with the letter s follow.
12h40
